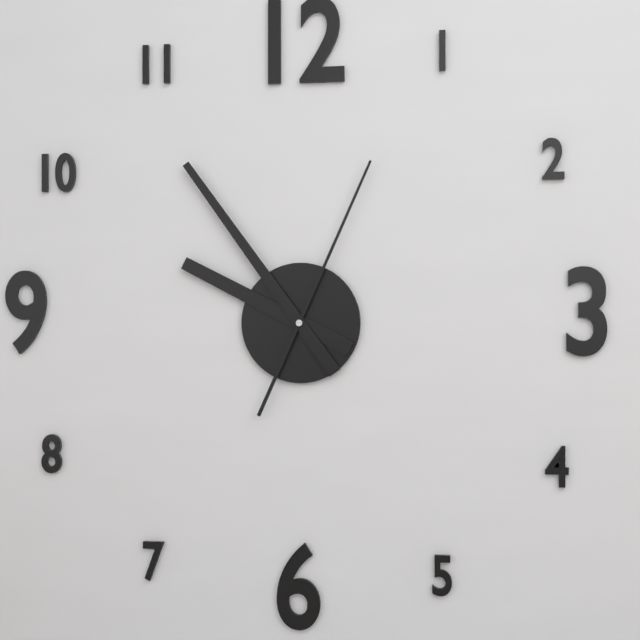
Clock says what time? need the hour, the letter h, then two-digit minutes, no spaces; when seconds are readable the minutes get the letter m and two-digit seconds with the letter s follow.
9h54m04s
